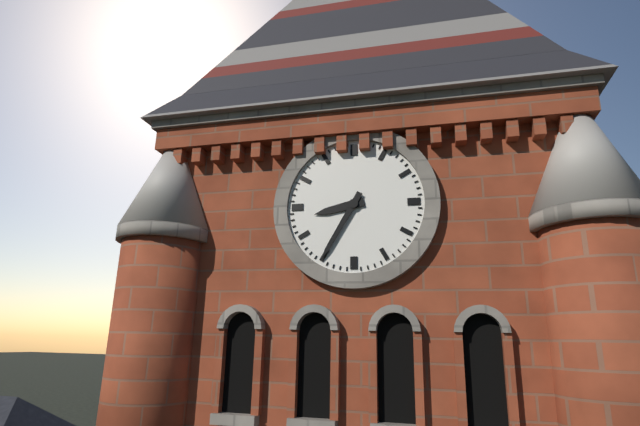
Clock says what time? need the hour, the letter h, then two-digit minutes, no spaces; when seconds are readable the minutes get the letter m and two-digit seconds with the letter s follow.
8h35
